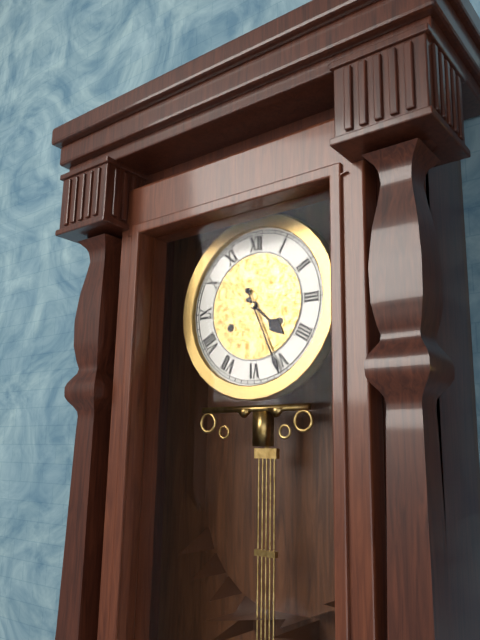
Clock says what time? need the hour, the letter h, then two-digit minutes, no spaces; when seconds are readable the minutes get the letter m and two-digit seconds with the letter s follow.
4h26
